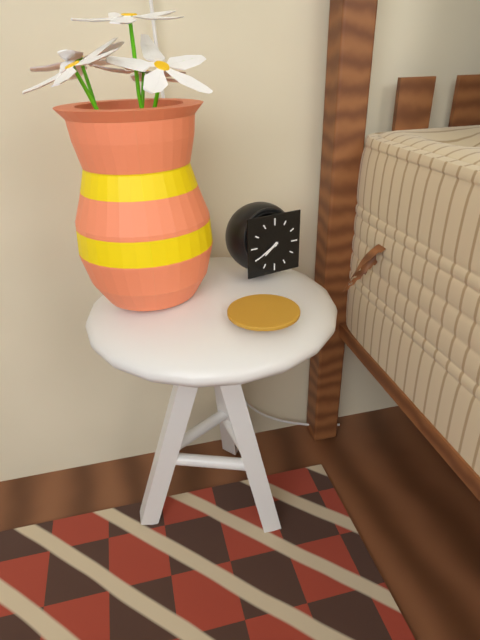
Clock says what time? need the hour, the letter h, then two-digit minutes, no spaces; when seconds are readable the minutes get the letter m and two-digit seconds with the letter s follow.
7h40
